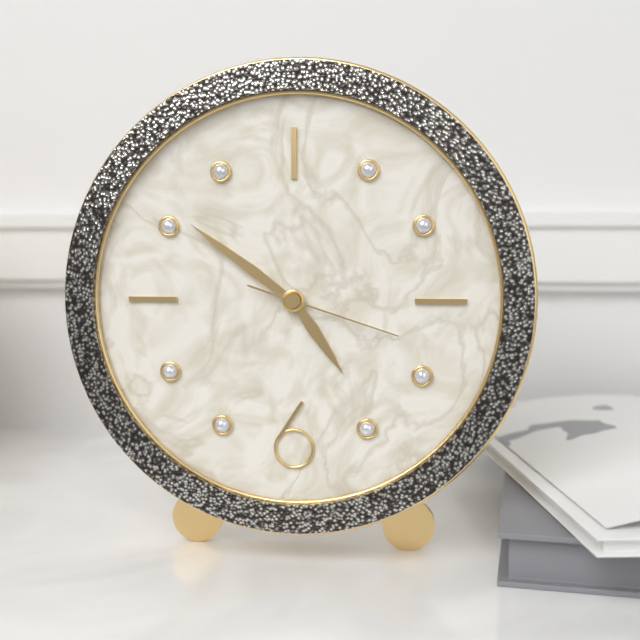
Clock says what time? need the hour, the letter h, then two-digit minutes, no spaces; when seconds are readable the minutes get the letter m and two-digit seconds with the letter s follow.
4h51m18s
